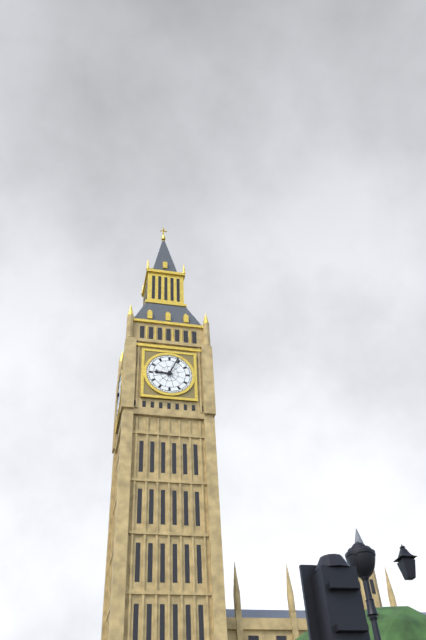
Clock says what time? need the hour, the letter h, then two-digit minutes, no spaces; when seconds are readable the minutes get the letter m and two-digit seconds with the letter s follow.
9h04
